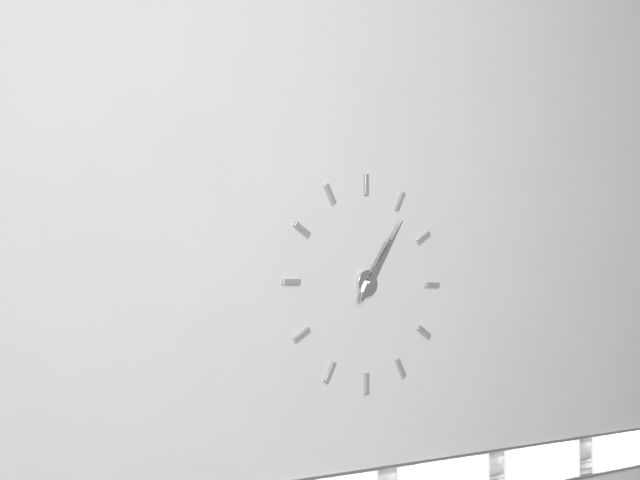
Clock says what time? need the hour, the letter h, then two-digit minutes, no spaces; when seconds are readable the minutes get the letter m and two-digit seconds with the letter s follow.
1h06
